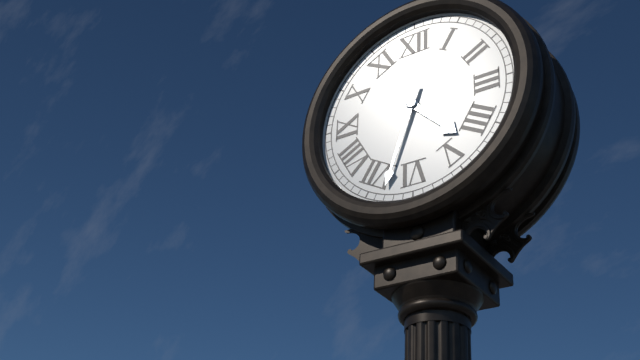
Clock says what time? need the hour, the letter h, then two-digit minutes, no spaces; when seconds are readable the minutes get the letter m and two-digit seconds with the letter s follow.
4h33
